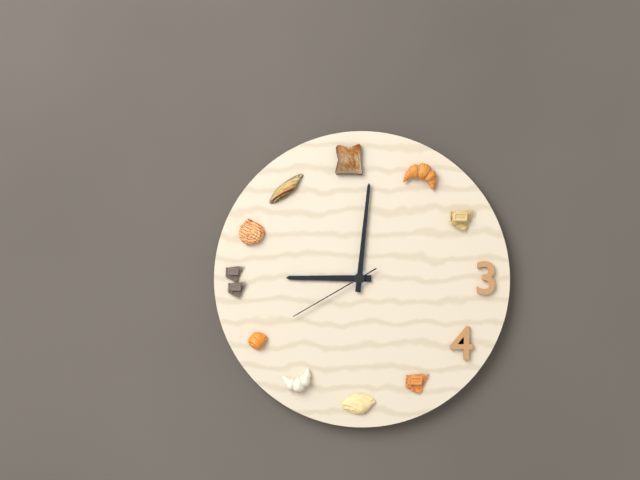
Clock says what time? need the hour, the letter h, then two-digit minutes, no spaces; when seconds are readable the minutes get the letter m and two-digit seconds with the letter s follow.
9h01m40s
